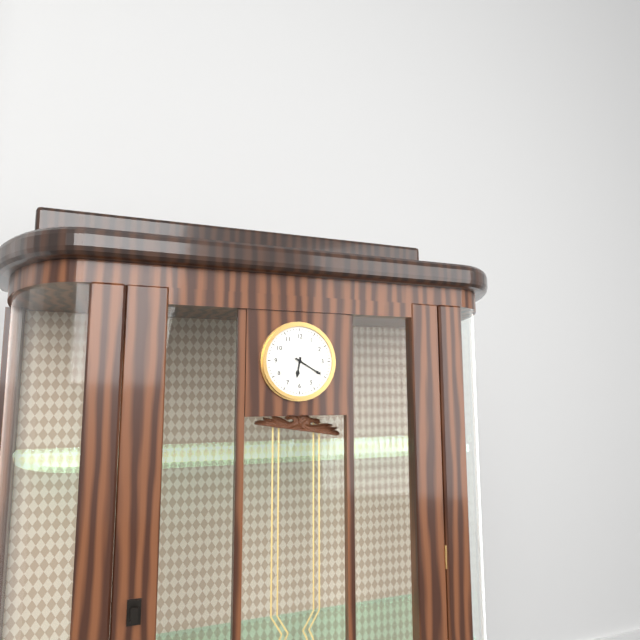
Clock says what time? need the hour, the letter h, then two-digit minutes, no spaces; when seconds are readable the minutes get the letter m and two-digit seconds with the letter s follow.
6h20
